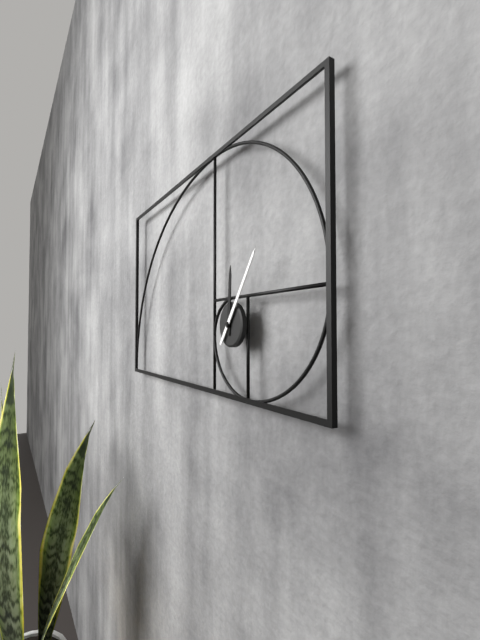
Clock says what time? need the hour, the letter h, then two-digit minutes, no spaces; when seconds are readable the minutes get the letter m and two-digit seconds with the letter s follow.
12h06
